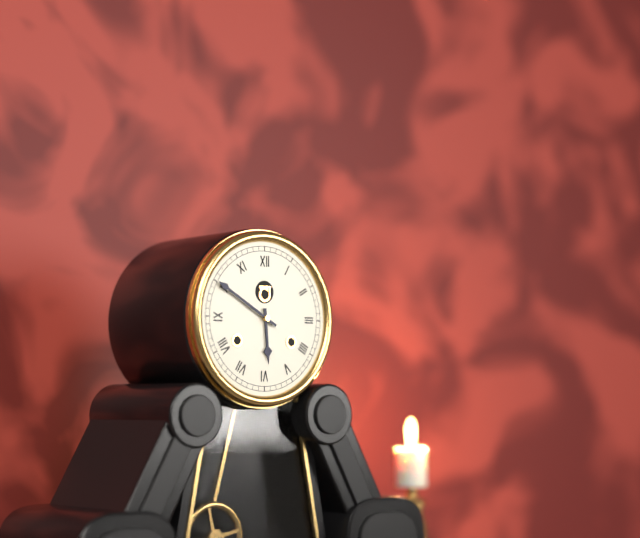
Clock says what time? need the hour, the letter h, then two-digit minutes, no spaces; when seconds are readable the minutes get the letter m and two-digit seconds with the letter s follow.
5h50
